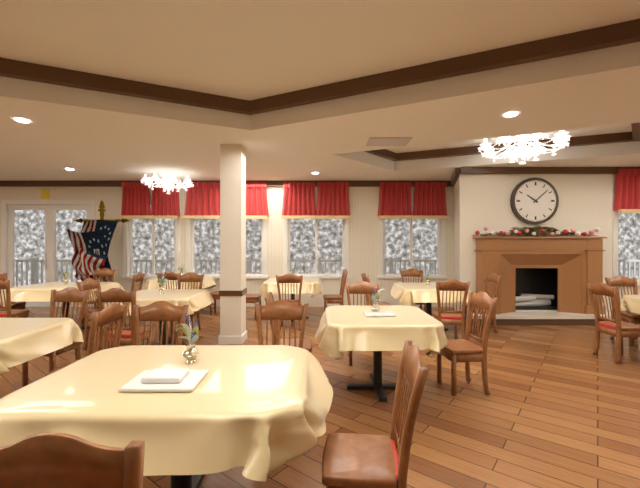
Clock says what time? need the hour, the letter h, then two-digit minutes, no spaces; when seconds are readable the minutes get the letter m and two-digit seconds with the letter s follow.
10h08
